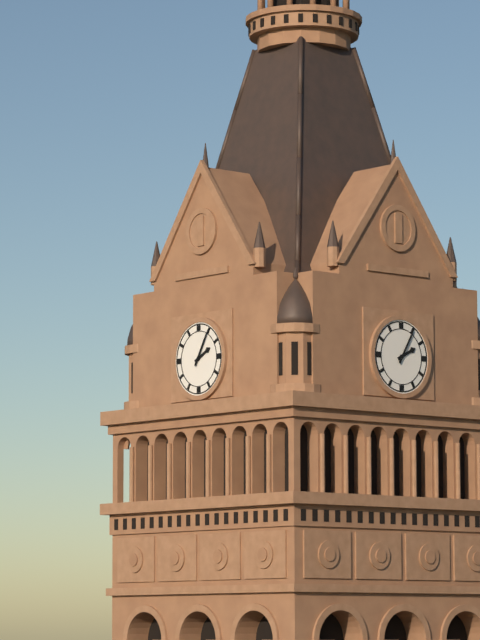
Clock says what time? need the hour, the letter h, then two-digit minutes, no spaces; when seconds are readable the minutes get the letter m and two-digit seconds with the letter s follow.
2h05
